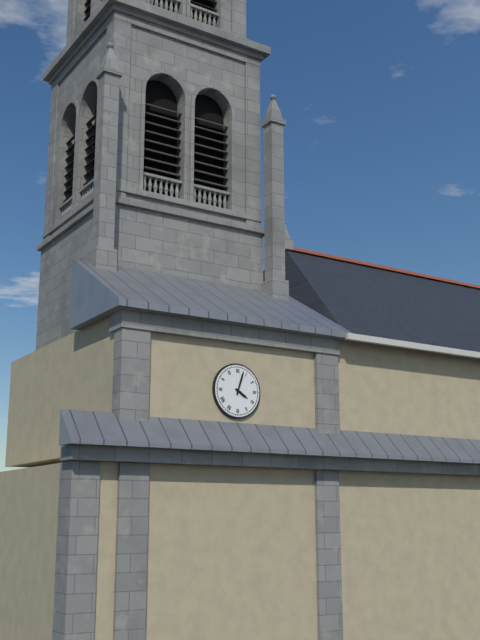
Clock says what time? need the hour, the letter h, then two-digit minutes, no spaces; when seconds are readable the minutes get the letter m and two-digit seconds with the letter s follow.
4h03
